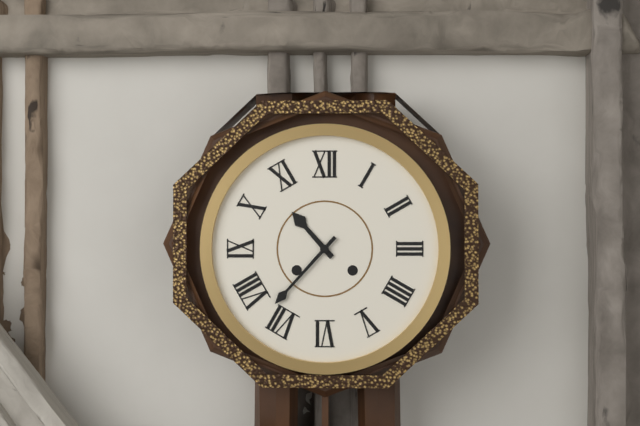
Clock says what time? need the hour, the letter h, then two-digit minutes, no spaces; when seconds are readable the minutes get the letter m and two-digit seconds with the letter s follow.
10h37
